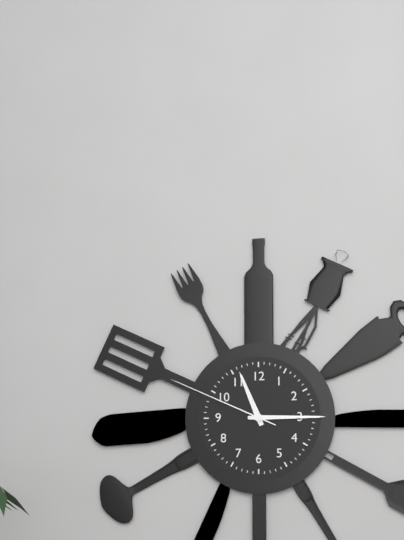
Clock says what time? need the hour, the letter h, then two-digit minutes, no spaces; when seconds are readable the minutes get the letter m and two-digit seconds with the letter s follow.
11h15m49s
